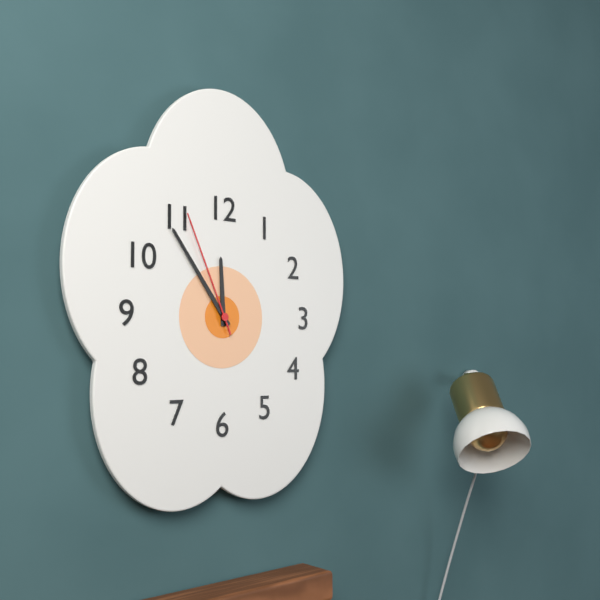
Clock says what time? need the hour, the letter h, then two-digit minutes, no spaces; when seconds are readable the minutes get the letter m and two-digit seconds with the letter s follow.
11h54m56s
